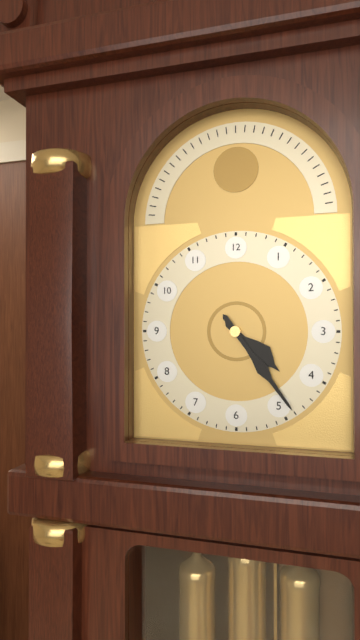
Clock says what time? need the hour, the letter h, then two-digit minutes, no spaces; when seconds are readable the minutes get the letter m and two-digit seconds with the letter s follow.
4h24
